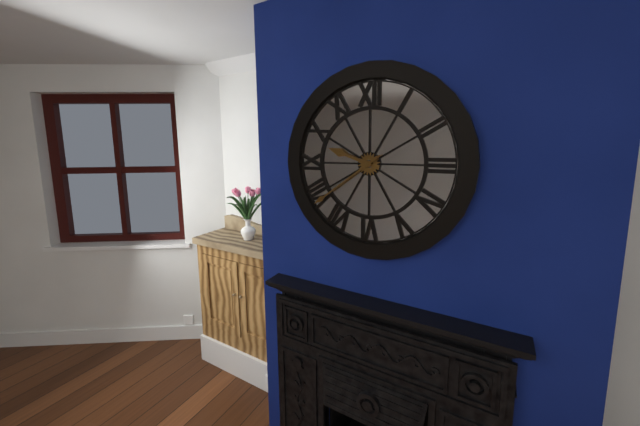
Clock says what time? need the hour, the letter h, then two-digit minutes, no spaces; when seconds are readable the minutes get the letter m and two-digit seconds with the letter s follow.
9h39
